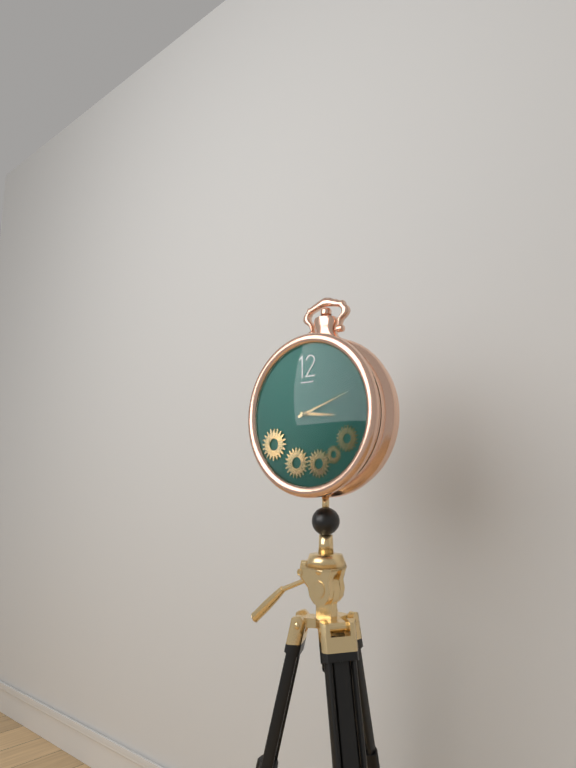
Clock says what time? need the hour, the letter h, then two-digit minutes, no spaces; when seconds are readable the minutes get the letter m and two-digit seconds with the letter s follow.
3h12
